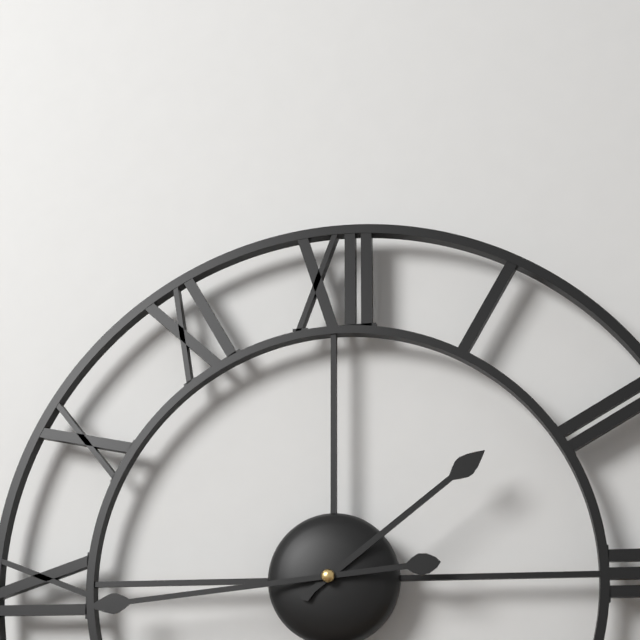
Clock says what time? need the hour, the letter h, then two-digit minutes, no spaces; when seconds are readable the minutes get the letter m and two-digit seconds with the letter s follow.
1h44
